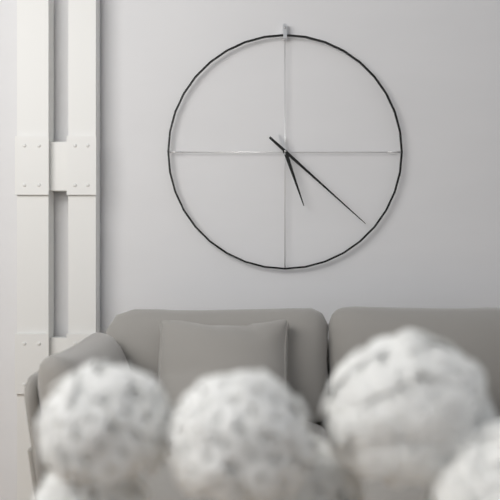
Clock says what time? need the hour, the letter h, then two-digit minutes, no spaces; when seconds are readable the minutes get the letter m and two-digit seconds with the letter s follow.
5h22
